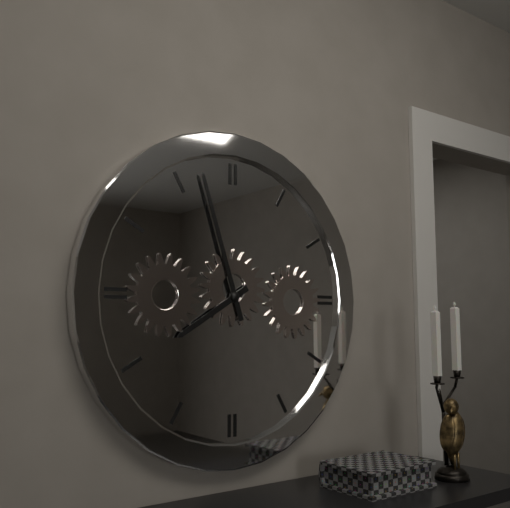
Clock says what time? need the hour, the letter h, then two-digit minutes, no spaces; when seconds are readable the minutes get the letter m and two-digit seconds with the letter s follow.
7h57
